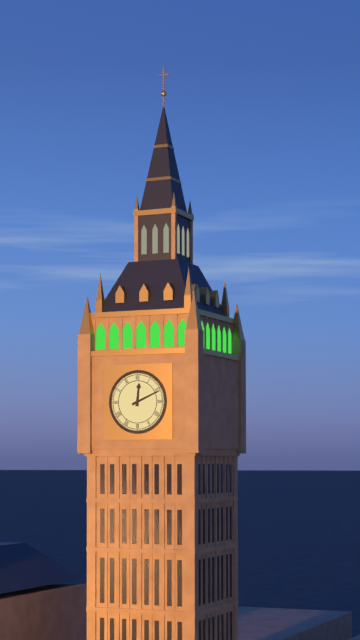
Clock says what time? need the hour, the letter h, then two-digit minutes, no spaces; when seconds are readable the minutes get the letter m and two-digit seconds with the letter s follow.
12h11
